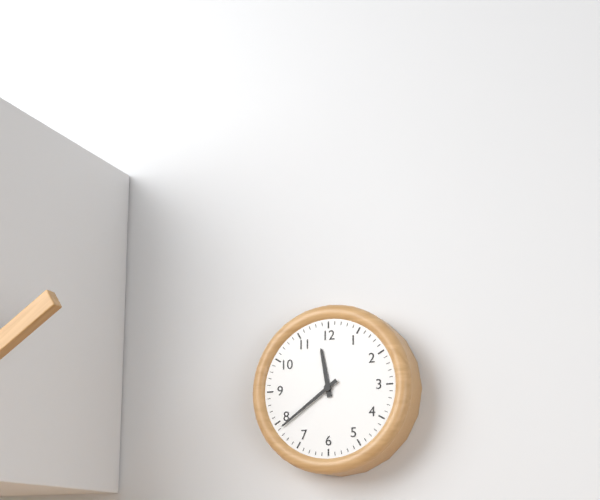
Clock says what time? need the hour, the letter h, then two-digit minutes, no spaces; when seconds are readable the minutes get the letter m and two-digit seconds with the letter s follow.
11h39
